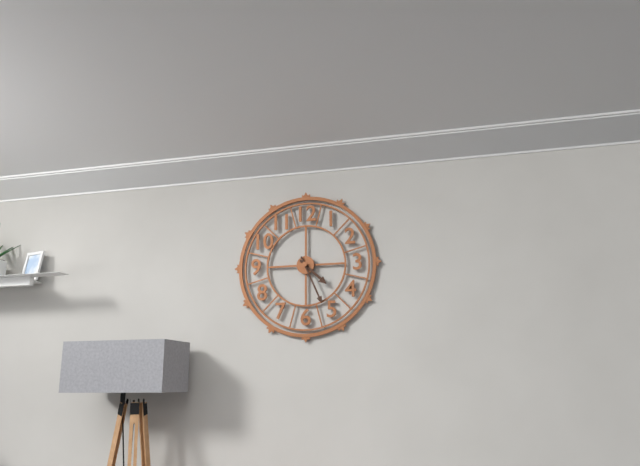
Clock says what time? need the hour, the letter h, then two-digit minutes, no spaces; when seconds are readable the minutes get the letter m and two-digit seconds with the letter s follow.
4h26
